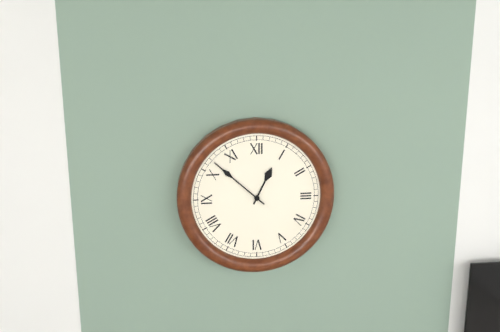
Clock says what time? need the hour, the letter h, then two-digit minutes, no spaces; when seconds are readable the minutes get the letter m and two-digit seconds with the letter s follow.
12h52
